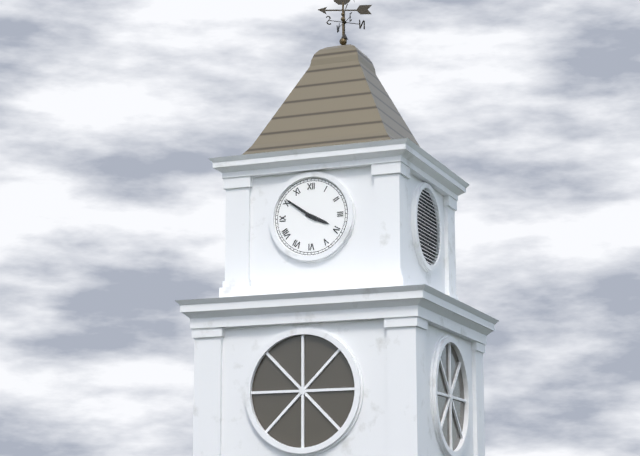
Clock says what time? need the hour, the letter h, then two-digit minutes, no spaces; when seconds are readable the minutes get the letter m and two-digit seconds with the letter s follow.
3h51
